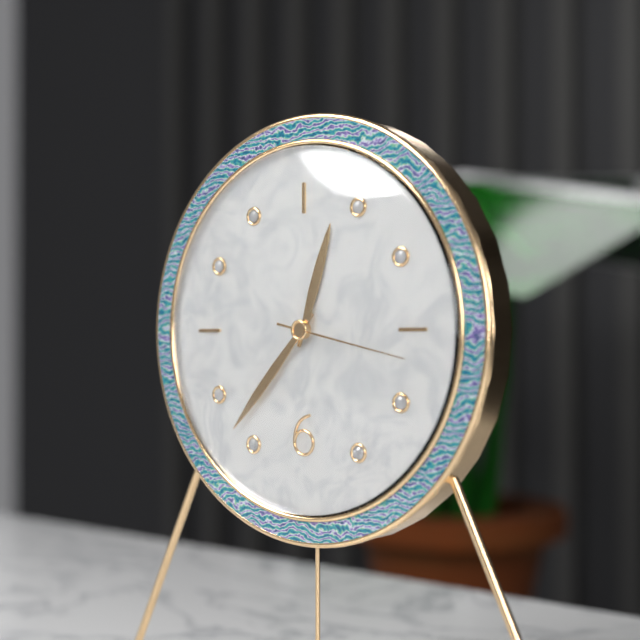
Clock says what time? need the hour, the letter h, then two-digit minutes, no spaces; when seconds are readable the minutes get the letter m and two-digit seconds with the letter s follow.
12h37m17s
